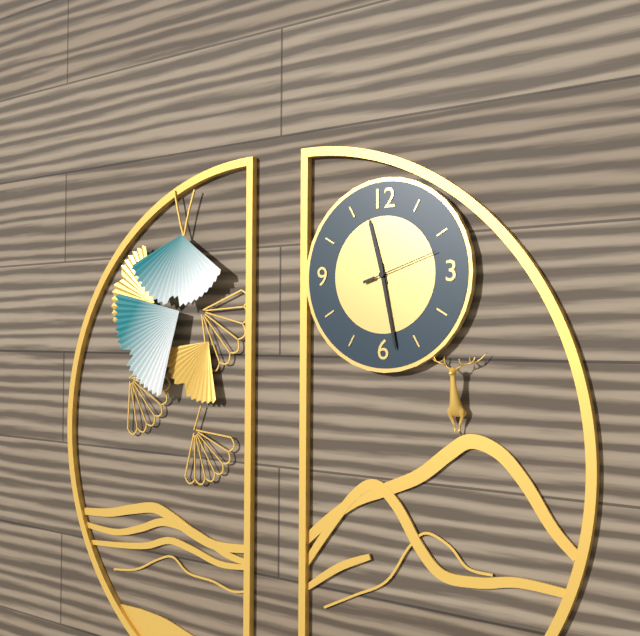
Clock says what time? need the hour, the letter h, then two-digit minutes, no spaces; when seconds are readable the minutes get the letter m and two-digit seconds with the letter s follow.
11h28m12s
